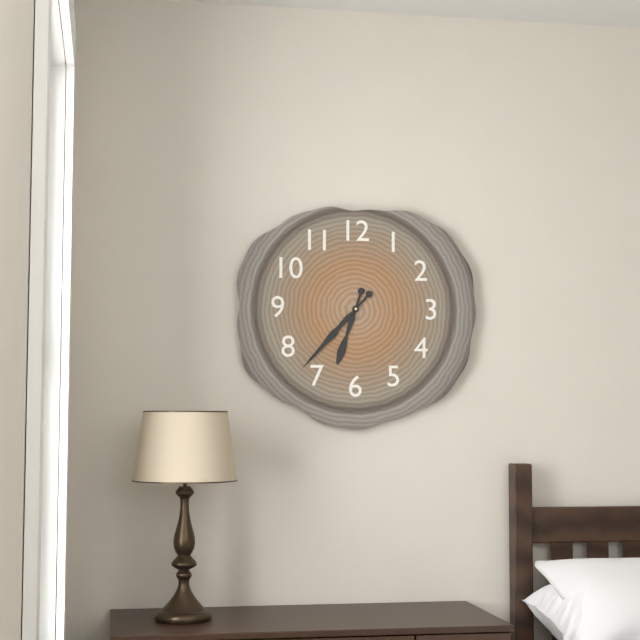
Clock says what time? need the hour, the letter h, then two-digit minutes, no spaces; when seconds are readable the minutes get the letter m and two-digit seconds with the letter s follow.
6h37
